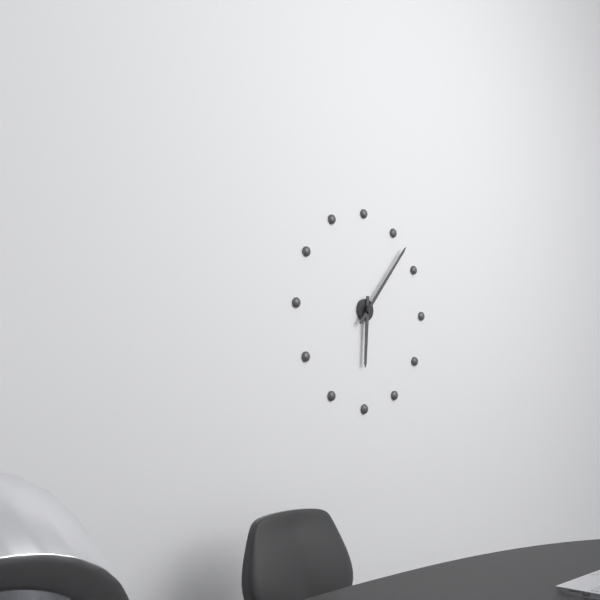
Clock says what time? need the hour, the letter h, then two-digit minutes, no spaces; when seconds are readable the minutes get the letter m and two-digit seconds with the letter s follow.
6h07
